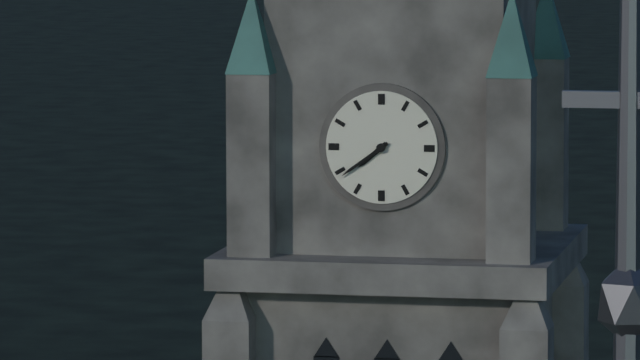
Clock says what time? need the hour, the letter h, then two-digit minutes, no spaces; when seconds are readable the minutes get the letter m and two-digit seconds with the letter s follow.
7h39
